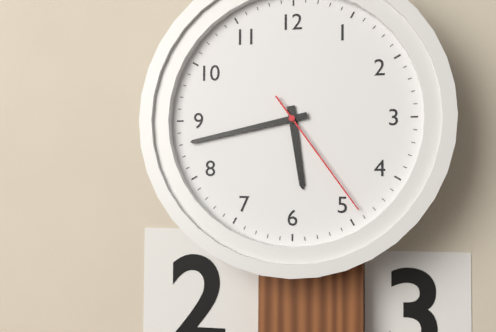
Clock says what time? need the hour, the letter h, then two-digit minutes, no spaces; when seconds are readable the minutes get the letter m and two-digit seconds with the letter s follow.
5h43m24s
